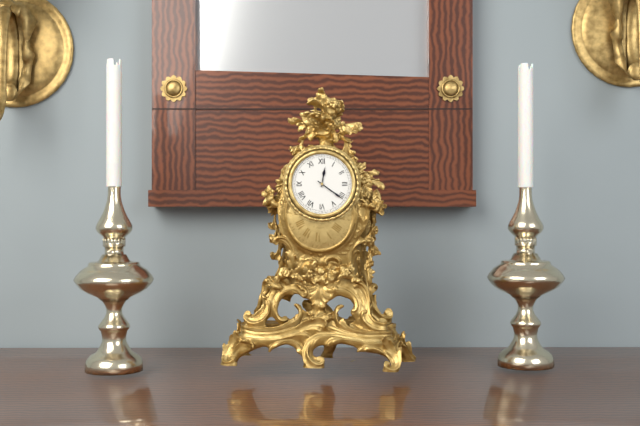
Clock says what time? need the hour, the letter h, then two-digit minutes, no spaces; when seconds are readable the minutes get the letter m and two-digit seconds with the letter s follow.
12h21
